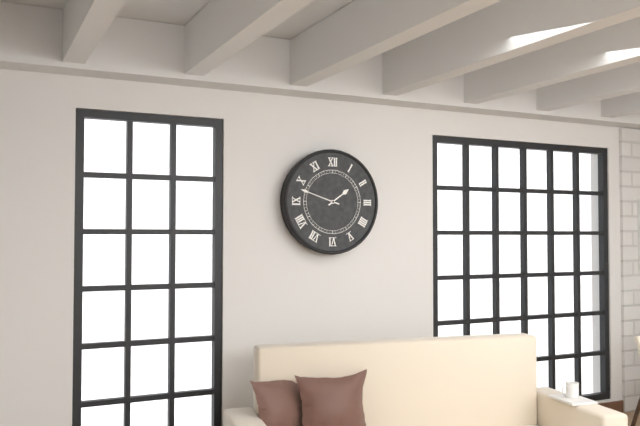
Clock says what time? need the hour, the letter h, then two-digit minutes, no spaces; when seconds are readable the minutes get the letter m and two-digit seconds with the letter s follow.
1h48
